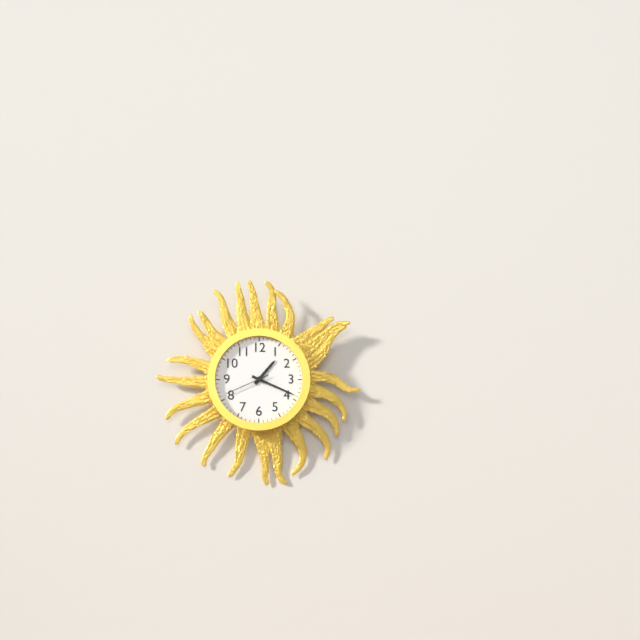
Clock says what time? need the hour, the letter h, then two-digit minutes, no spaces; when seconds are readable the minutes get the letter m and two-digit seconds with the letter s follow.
1h19
